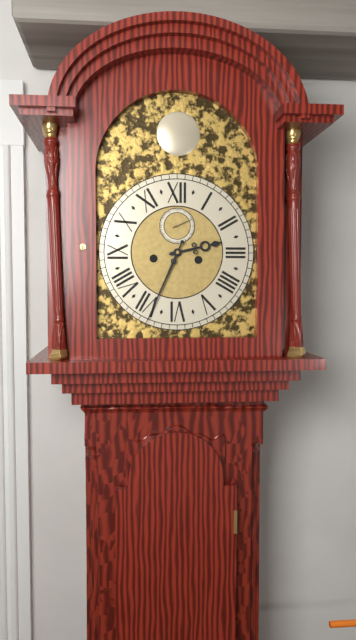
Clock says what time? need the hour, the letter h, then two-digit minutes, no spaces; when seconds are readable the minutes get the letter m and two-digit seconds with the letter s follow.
2h34
